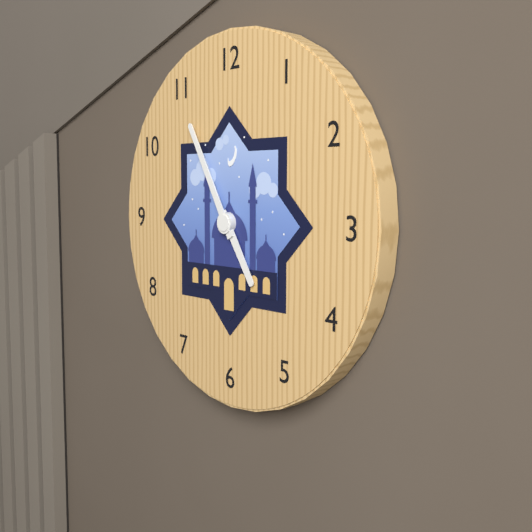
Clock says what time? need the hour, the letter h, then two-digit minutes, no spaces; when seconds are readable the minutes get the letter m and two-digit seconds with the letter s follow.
4h55
